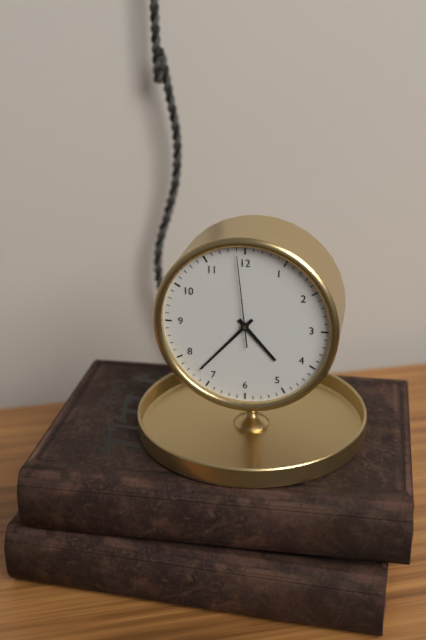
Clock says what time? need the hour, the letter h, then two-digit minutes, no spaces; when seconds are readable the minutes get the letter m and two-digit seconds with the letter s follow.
4h37m59s
